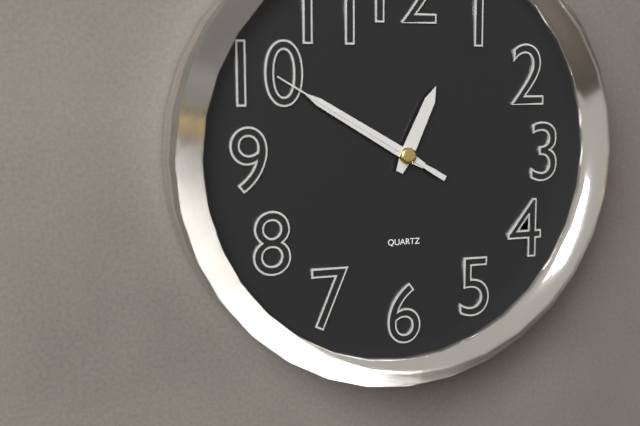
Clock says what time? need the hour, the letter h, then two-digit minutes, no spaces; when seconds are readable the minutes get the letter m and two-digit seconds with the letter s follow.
12h50m50s
